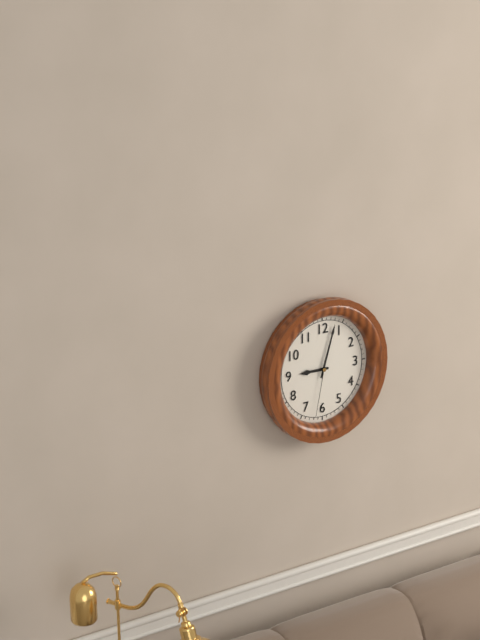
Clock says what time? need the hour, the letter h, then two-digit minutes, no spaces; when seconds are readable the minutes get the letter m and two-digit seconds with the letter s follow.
9h03m32s
